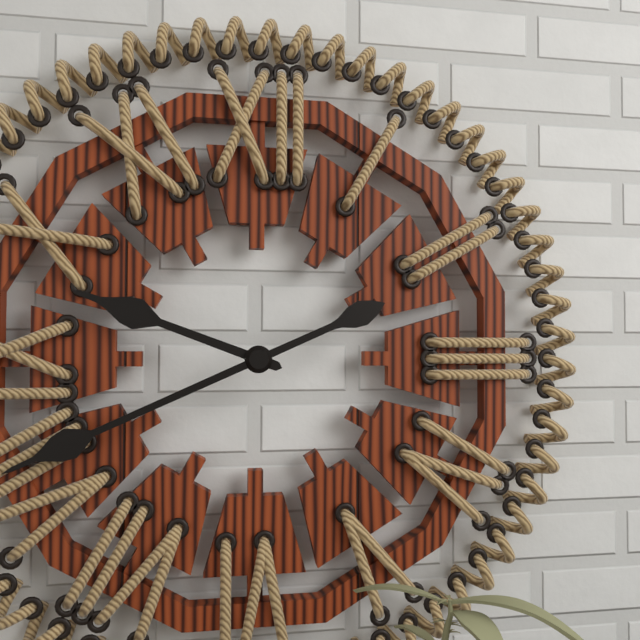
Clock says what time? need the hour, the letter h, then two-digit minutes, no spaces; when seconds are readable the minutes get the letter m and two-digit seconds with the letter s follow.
9h41
